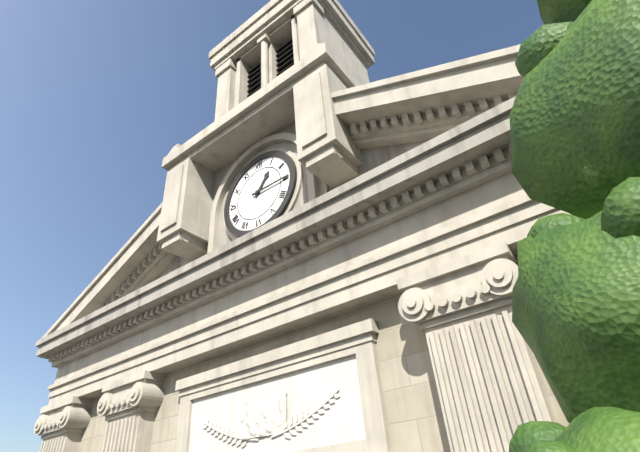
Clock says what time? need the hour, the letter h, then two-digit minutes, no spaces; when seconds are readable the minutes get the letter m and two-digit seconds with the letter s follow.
1h15
